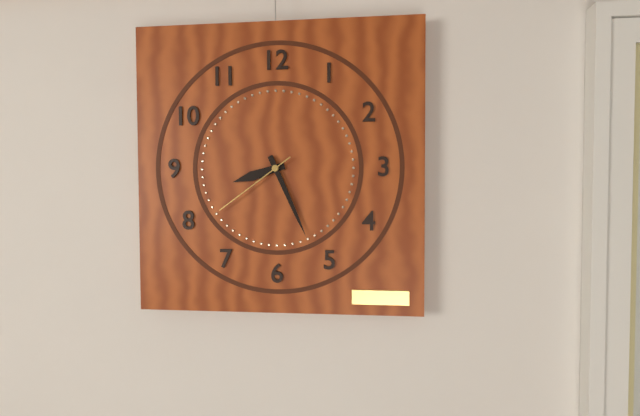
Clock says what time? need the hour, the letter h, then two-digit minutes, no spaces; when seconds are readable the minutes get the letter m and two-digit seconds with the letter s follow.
8h26m39s
